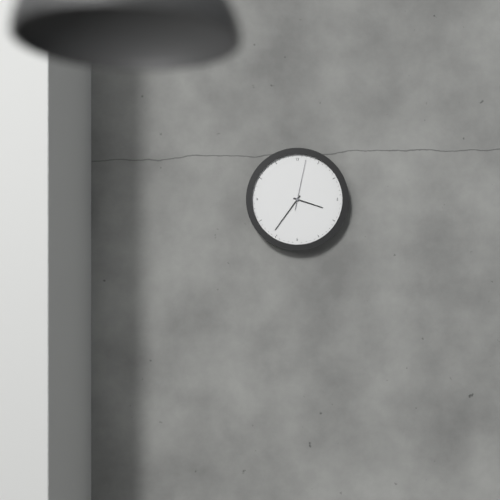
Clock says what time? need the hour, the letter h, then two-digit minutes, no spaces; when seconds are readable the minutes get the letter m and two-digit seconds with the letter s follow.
3h36m02s
